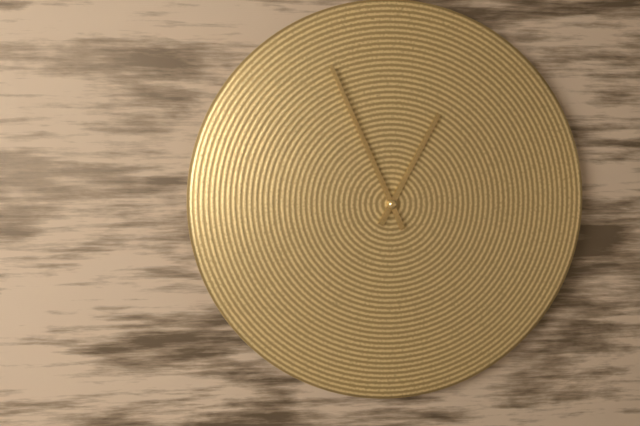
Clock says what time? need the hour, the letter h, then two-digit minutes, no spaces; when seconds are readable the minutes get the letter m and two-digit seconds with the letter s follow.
12h56
